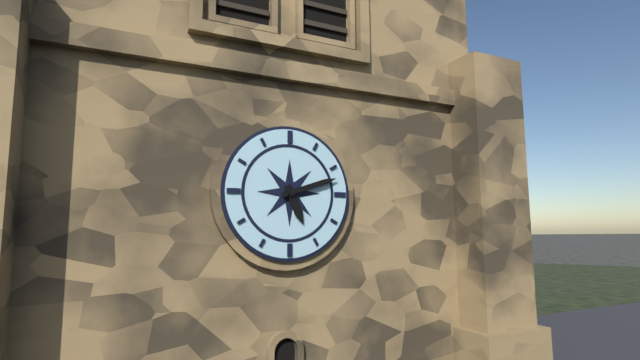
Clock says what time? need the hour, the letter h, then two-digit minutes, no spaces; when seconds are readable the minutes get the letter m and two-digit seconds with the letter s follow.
5h12
